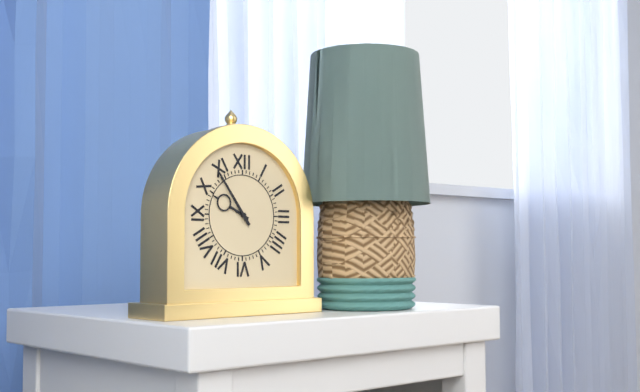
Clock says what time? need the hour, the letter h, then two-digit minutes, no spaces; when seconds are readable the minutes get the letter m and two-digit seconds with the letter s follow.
9h54
